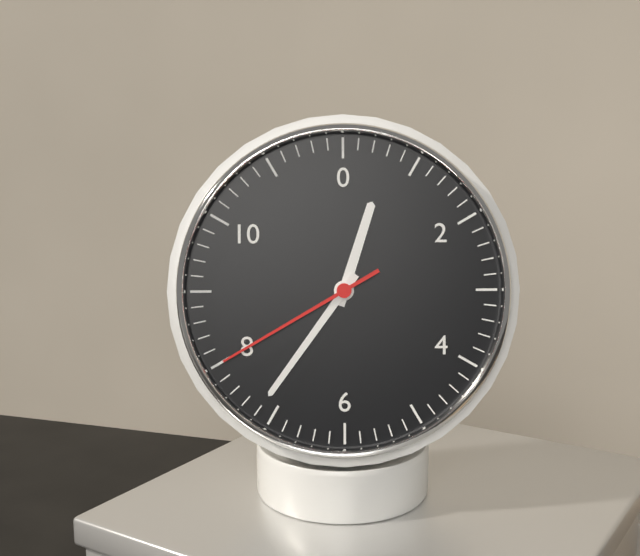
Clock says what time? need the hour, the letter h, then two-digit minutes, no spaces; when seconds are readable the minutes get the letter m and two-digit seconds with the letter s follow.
12h36m40s
